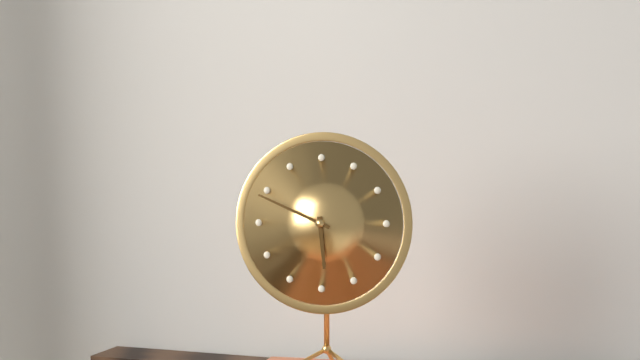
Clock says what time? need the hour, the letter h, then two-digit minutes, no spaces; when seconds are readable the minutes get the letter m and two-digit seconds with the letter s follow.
5h49
